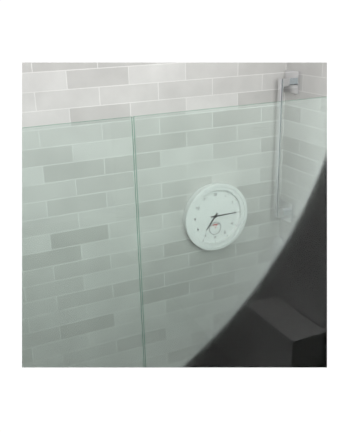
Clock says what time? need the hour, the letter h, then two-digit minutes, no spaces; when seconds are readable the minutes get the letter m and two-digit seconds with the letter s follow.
7h15
